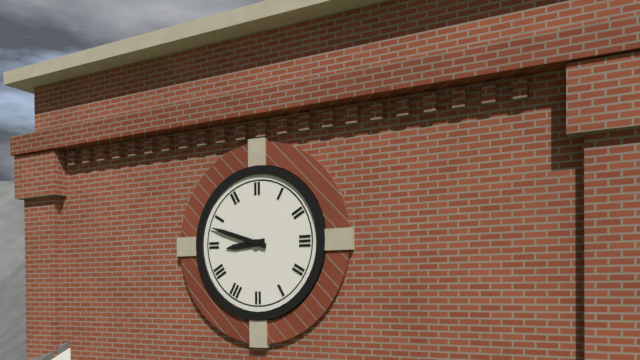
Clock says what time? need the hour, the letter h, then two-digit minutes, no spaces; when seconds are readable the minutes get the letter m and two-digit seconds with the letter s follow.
8h48
